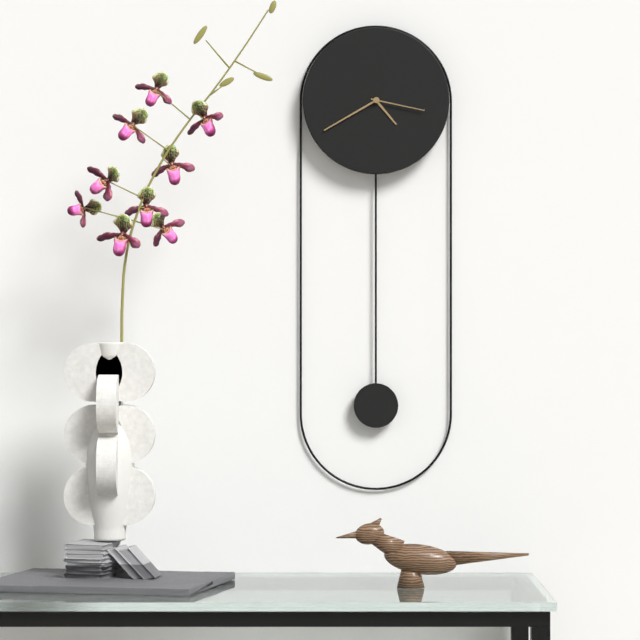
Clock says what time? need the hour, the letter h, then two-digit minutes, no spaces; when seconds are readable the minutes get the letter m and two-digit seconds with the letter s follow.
4h40m17s
